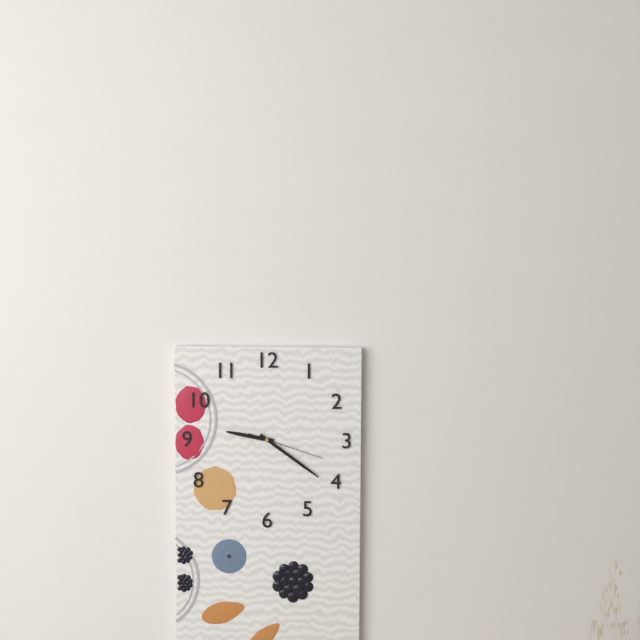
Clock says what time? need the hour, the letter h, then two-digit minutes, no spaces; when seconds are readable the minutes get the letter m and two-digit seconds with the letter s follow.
9h21m18s
